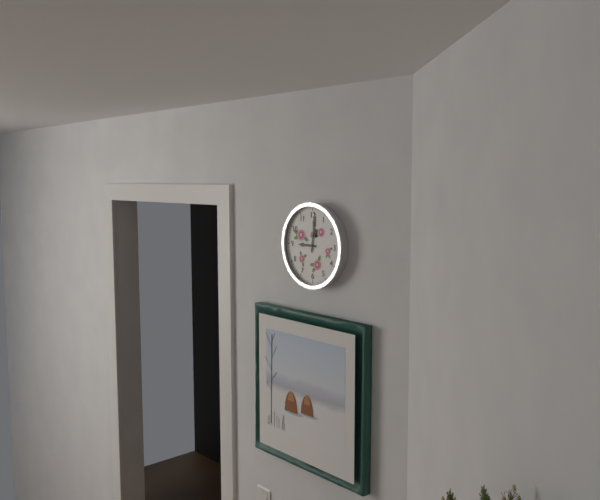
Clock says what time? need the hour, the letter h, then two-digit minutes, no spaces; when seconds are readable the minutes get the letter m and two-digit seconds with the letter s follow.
9h01
